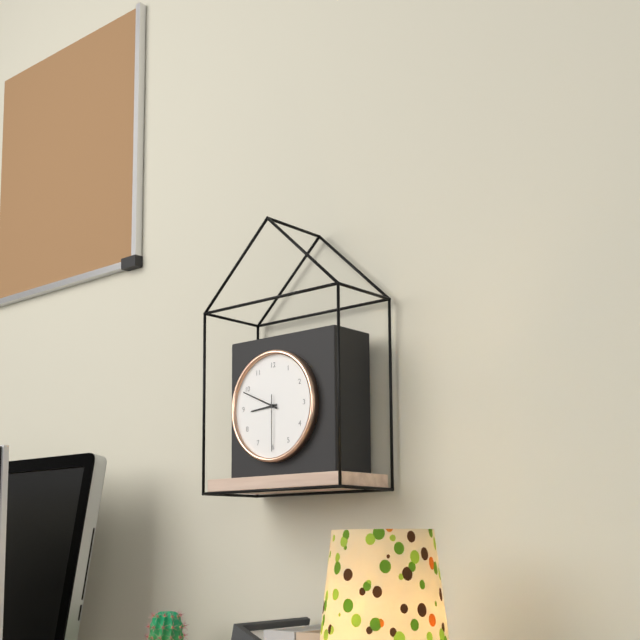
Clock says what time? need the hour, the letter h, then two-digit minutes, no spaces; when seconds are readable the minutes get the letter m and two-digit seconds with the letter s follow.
8h49m30s
